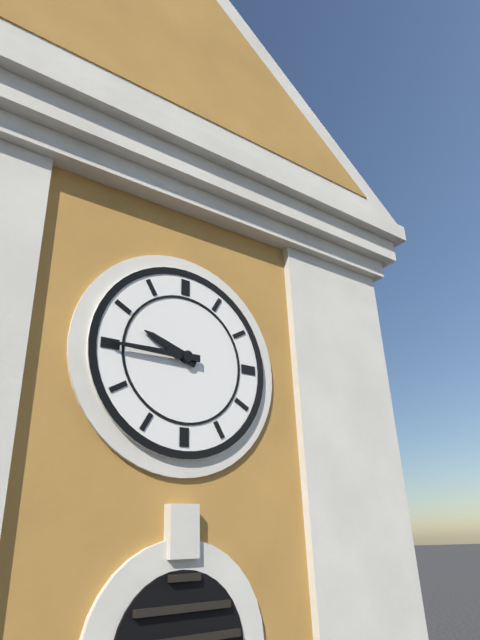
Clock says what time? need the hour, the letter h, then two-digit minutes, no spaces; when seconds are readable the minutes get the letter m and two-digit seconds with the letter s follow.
9h45
